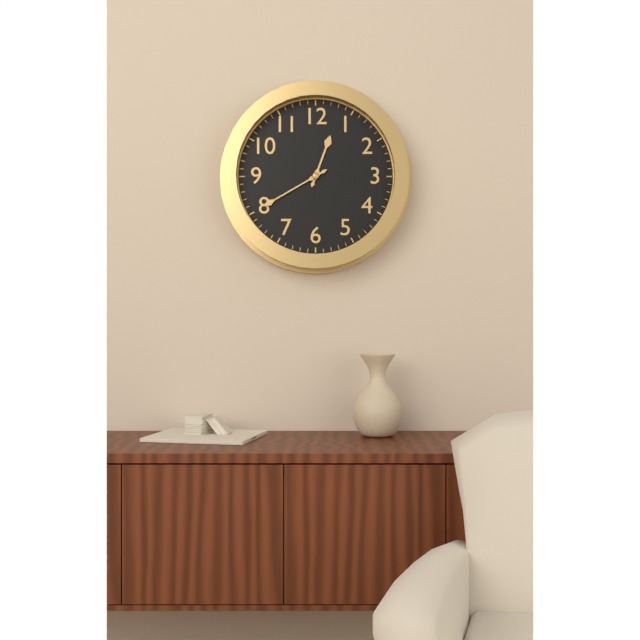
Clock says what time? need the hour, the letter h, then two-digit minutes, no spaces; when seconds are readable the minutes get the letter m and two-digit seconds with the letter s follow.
12h40
